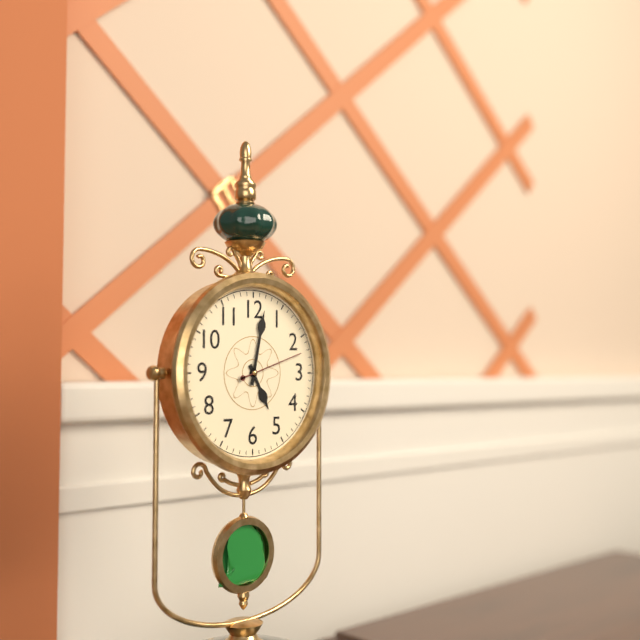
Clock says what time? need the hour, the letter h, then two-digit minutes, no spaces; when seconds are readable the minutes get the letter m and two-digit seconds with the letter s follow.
5h02m12s
